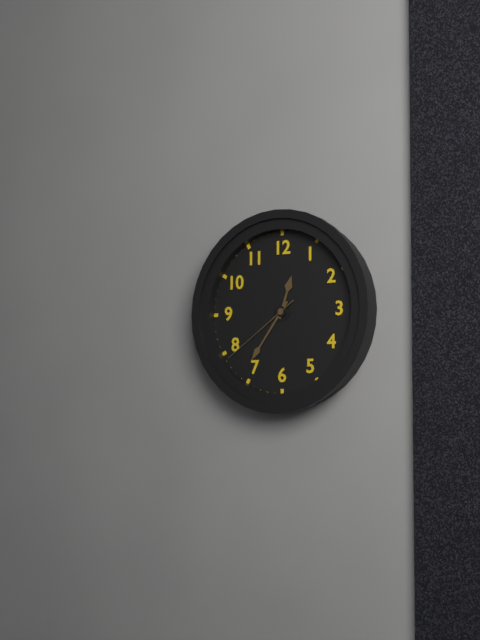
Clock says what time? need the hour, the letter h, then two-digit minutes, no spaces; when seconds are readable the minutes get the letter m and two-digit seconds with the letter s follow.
12h36m39s
